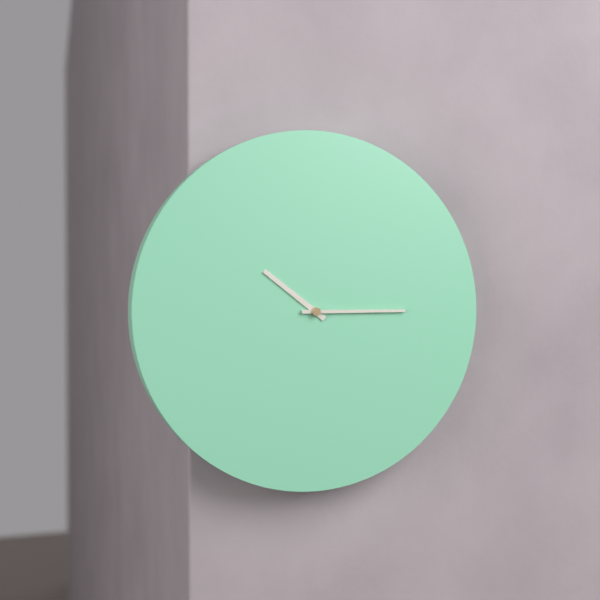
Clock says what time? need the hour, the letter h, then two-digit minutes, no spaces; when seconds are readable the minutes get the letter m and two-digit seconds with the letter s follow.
10h15
